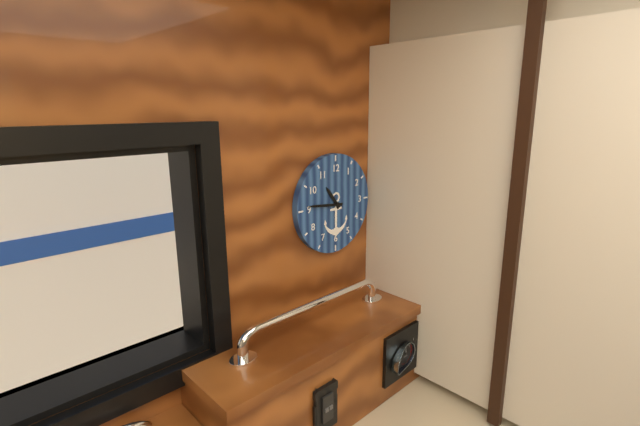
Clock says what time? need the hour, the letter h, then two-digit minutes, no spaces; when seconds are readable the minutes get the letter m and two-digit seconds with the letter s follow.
10h46
